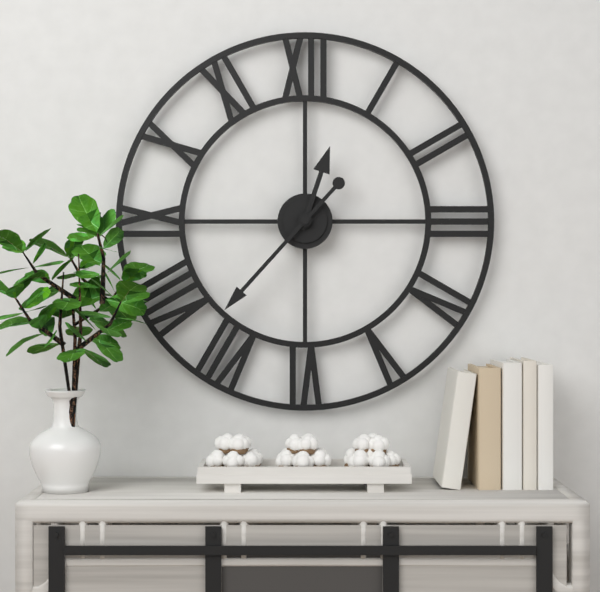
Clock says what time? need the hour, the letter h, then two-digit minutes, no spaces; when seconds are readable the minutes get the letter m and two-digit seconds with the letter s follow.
12h37
